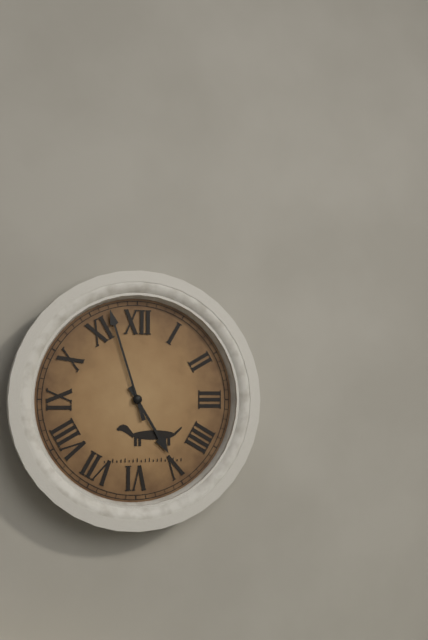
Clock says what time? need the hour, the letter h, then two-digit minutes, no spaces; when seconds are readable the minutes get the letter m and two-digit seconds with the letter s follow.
4h57
